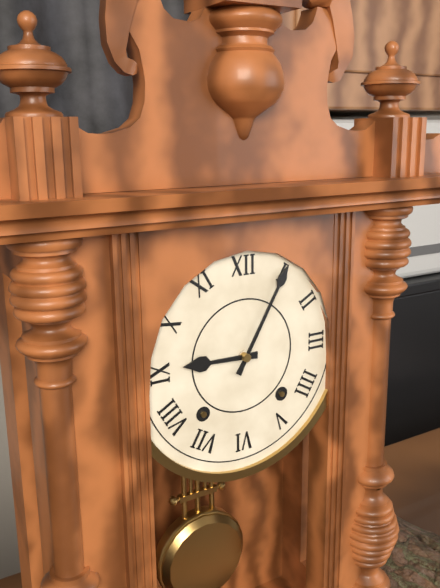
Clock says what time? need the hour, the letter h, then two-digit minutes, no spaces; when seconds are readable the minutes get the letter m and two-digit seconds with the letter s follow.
9h05
